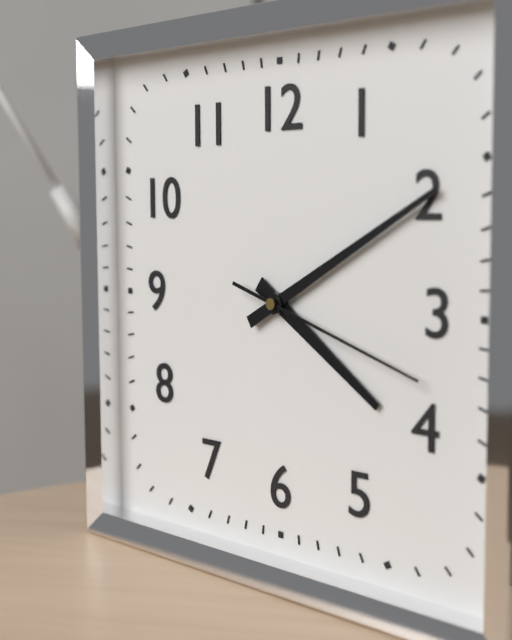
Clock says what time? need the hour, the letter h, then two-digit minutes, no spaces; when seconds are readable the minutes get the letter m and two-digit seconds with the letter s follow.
4h10m18s
